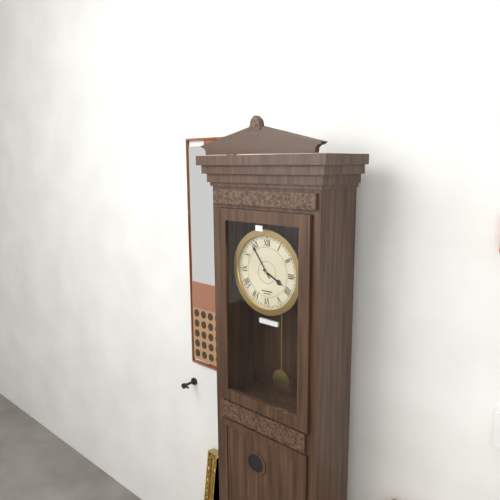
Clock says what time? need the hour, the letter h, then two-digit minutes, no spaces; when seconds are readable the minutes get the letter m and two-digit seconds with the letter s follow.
3h54
